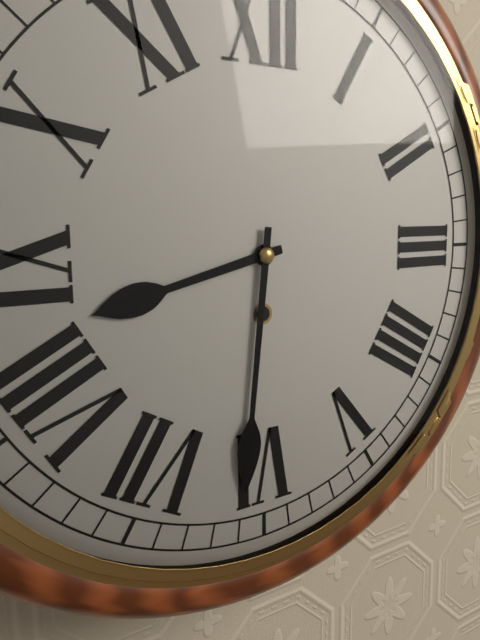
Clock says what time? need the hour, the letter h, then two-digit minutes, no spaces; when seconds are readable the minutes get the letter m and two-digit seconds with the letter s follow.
8h31
